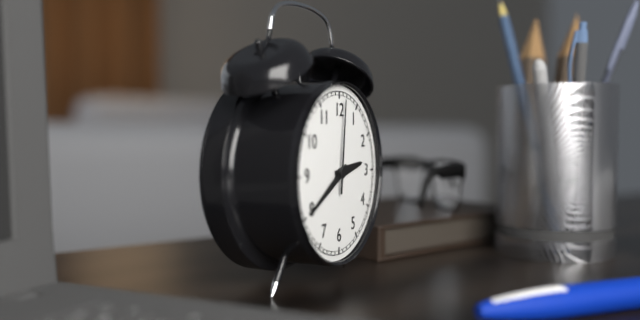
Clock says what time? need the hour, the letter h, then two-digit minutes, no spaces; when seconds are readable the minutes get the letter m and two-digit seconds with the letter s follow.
2h40m01s
